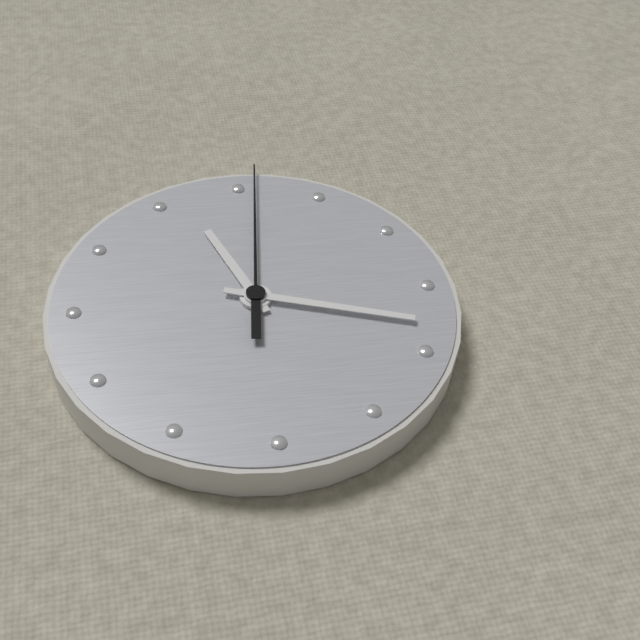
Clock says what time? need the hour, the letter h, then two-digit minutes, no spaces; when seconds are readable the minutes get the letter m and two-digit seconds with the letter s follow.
11h18m01s
